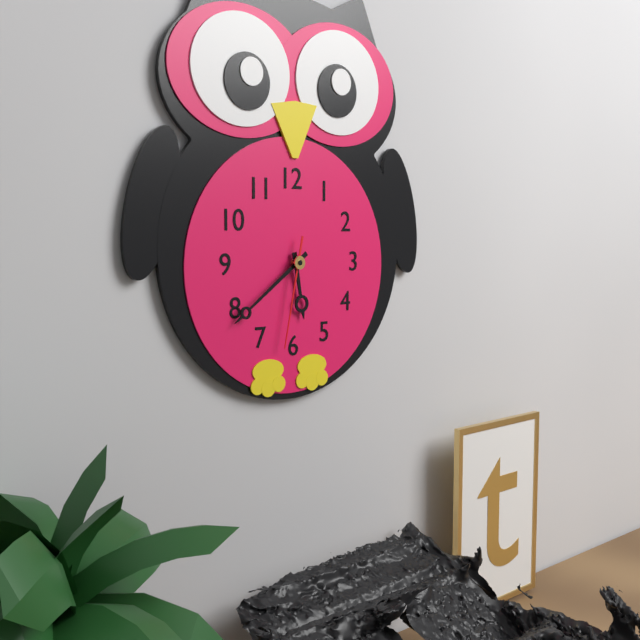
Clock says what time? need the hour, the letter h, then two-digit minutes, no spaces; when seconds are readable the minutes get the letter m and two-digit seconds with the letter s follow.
5h39m32s
